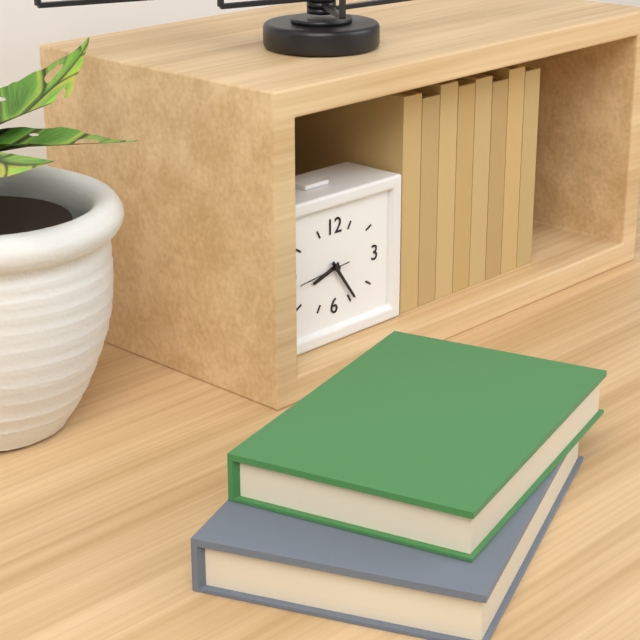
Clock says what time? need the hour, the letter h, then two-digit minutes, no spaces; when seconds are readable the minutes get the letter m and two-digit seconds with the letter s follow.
8h24m44s
